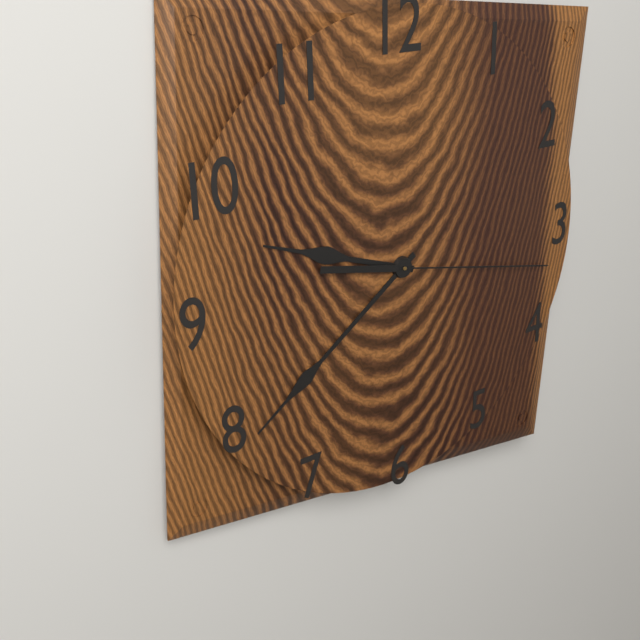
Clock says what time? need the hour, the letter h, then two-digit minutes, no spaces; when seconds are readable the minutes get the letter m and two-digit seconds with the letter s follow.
9h39m17s
